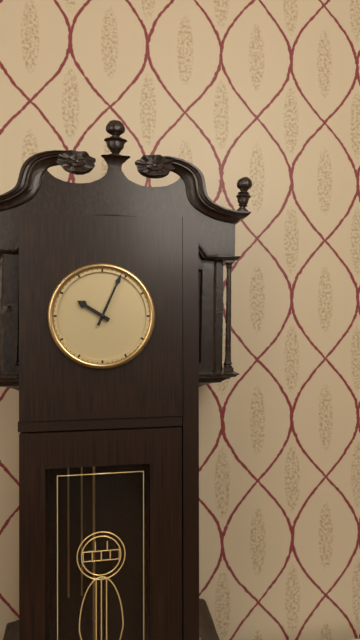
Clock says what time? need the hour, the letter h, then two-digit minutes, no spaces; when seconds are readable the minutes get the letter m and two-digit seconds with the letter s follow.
10h04
